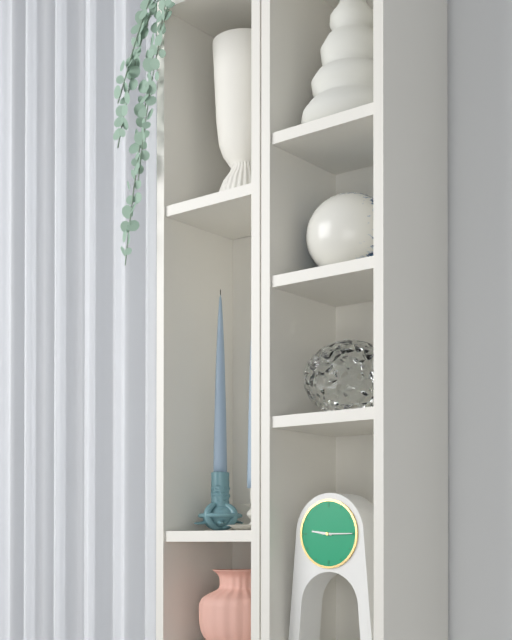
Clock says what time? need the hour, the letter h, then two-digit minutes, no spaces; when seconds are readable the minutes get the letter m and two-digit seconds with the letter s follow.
9h15
